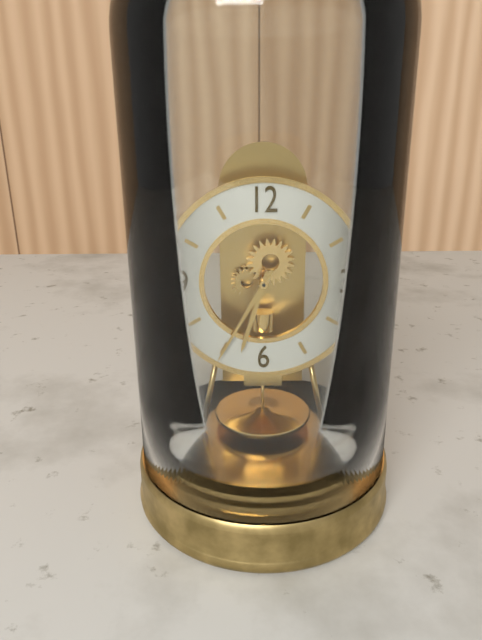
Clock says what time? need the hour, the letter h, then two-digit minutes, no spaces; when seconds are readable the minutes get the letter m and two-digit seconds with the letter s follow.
6h35
